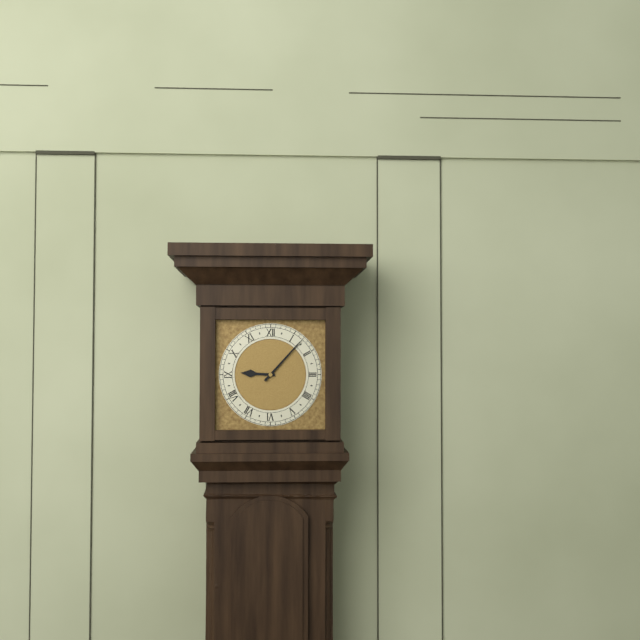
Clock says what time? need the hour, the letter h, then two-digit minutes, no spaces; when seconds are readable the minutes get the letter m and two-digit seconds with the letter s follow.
9h07
